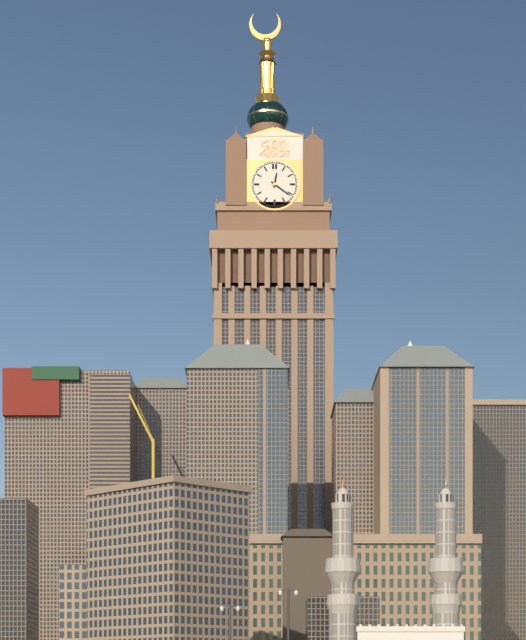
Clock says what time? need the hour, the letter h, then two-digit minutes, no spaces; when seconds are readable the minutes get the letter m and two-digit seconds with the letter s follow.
12h21
